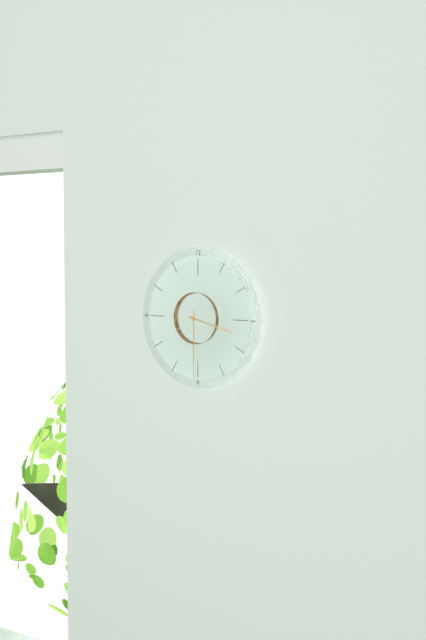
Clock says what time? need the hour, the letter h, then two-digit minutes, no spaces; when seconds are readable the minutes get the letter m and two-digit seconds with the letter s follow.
3h30
